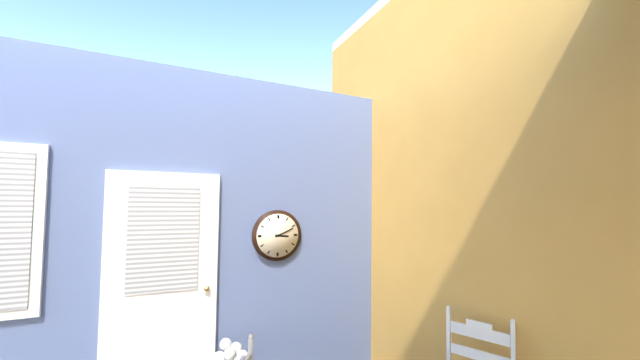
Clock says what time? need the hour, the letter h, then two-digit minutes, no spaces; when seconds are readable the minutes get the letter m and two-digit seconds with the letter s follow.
3h11
